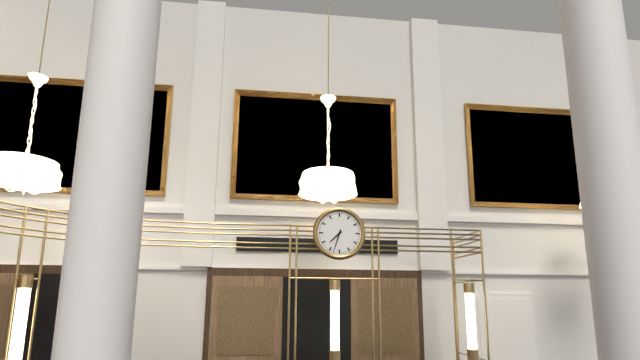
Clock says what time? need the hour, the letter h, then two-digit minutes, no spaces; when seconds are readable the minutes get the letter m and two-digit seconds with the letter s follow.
7h33
